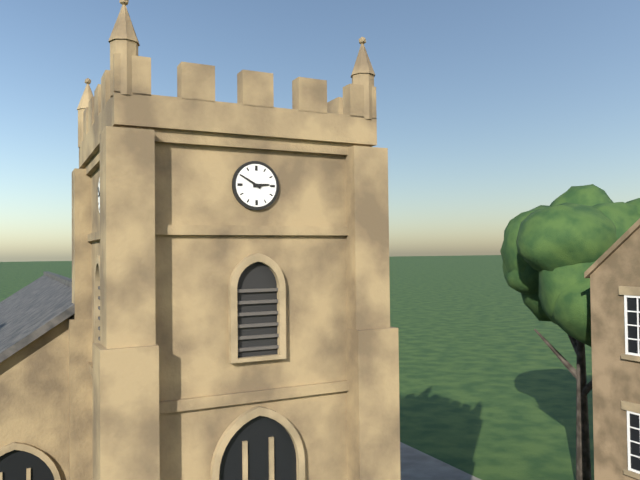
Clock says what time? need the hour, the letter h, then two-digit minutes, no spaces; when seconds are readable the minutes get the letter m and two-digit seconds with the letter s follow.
2h50
